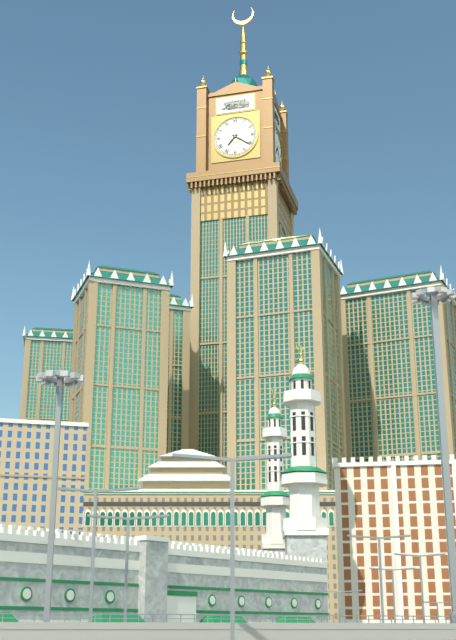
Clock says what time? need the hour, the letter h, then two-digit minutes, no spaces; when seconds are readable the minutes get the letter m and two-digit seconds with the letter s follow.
7h21
